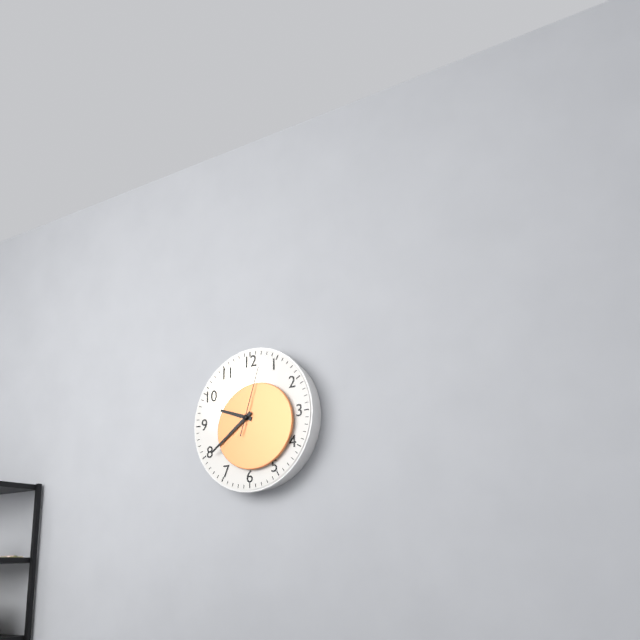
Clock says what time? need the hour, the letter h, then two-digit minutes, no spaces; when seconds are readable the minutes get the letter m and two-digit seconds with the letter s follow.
9h39m03s
